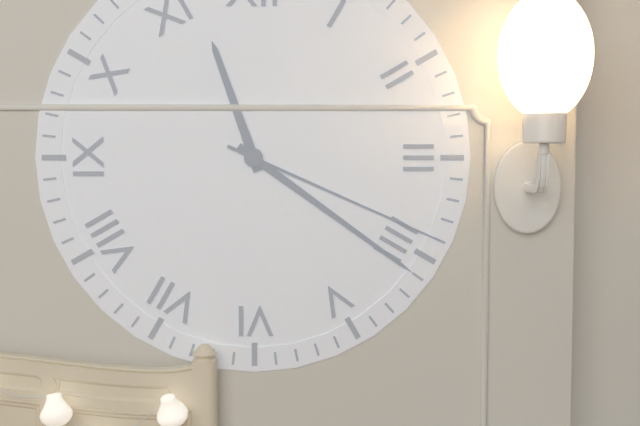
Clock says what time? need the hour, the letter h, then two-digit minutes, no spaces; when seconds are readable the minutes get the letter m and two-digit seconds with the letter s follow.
11h21m19s
